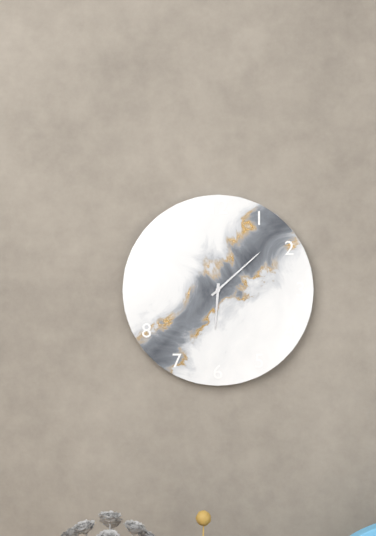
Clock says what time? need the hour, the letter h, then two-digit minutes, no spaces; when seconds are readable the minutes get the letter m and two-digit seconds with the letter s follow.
6h08
